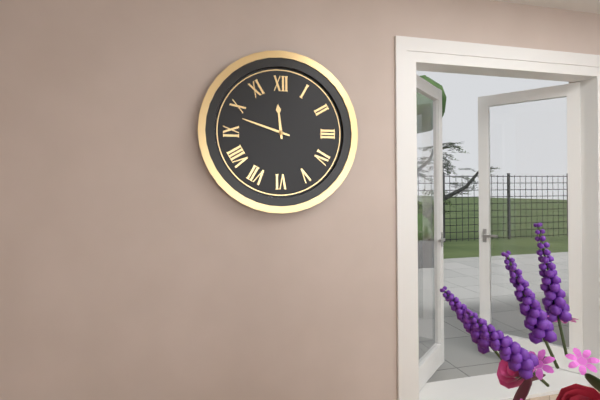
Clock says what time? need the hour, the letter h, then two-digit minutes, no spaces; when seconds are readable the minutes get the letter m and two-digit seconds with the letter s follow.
11h48
